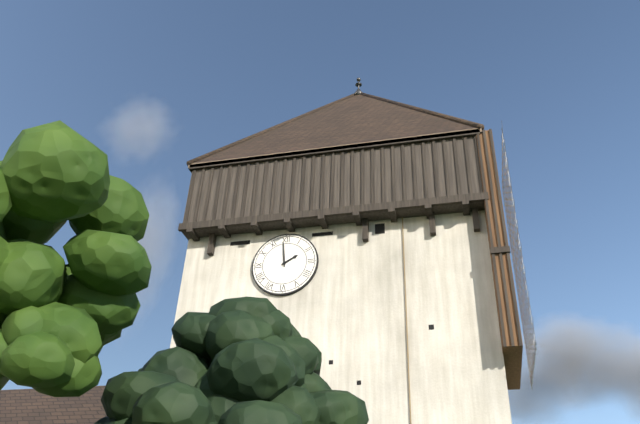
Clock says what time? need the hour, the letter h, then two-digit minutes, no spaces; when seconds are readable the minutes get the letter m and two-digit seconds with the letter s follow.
1h59
